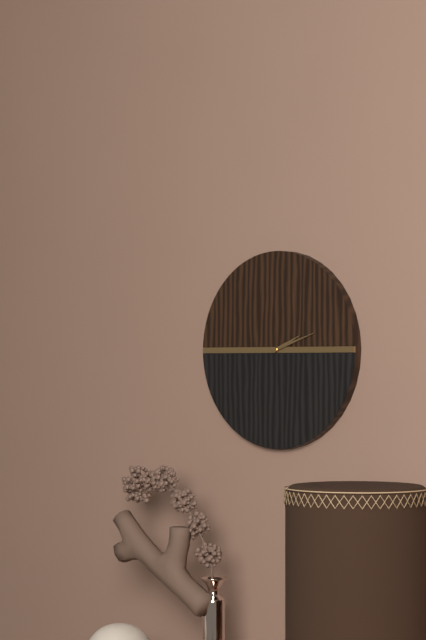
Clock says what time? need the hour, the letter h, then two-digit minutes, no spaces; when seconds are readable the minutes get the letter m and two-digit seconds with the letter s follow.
2h12
